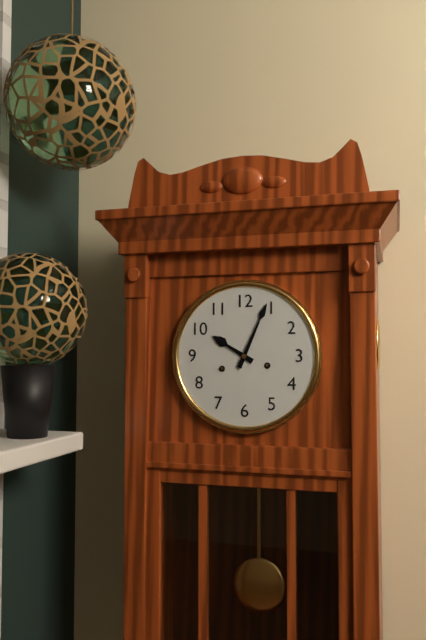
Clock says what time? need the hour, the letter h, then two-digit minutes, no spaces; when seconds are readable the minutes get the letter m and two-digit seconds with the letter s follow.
10h04
